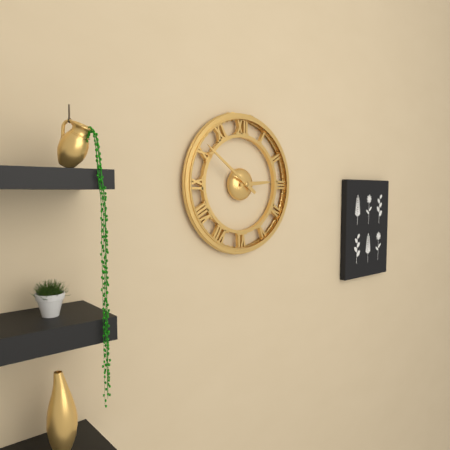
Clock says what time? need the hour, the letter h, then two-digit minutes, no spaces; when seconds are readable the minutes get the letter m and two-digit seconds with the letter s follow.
2h51
